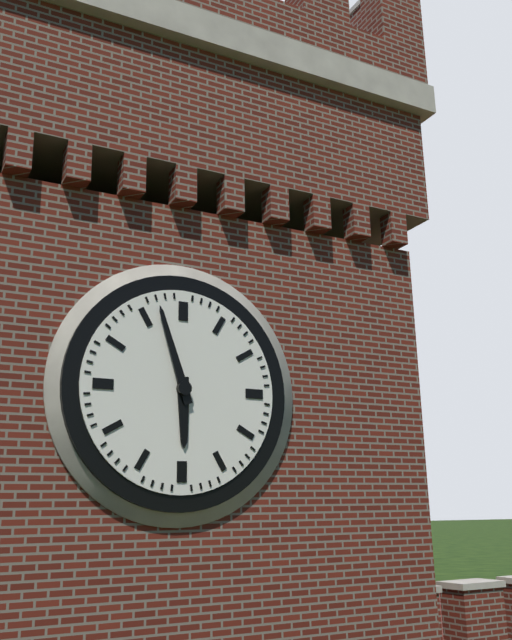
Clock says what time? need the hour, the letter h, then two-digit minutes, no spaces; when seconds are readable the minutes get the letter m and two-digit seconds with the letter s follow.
5h57
